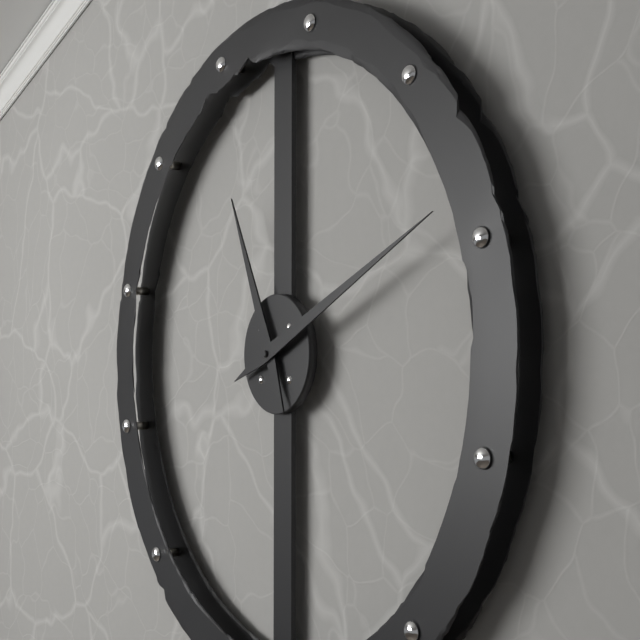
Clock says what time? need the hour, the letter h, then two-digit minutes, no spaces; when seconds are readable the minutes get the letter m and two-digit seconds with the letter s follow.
11h11
